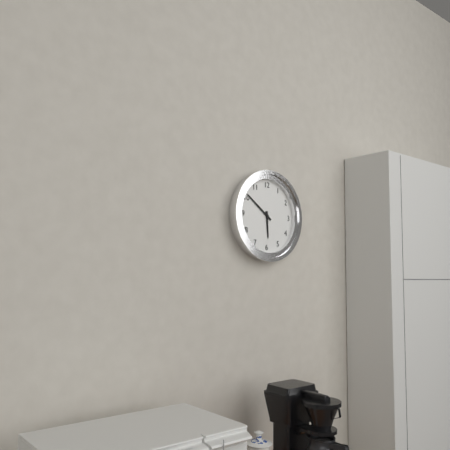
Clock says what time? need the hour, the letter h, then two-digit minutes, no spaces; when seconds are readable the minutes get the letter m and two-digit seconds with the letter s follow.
5h51
